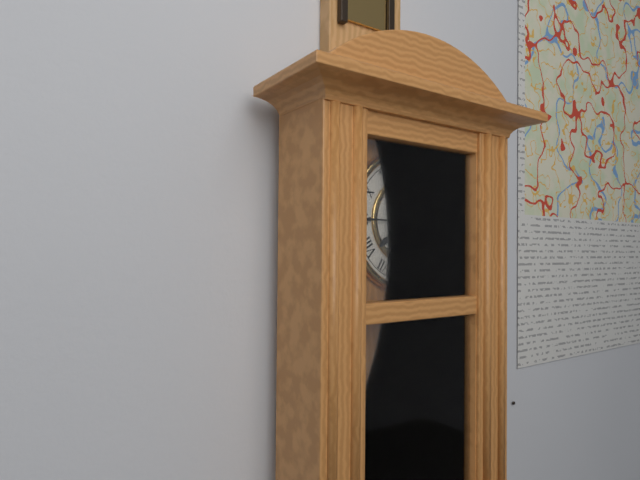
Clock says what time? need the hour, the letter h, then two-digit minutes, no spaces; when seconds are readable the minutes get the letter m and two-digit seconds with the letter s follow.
7h45
